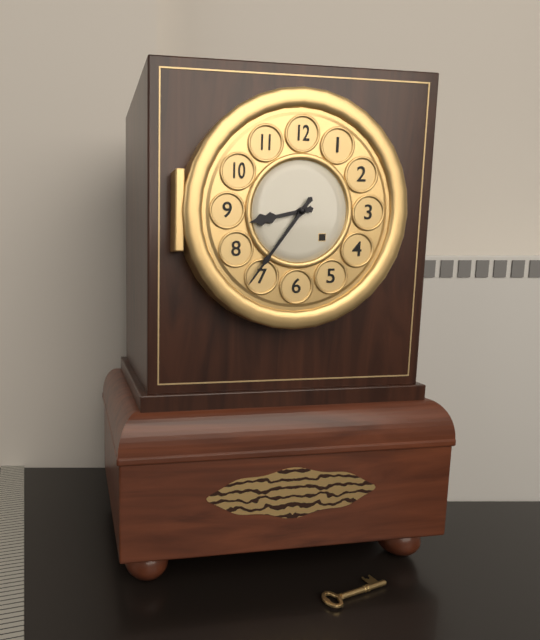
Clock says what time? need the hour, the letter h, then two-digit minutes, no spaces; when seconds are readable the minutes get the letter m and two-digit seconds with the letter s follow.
8h36
